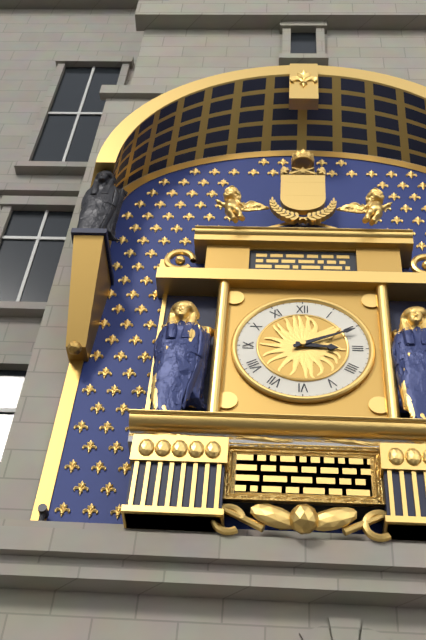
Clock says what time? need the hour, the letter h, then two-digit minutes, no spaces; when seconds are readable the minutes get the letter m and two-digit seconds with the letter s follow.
3h11
